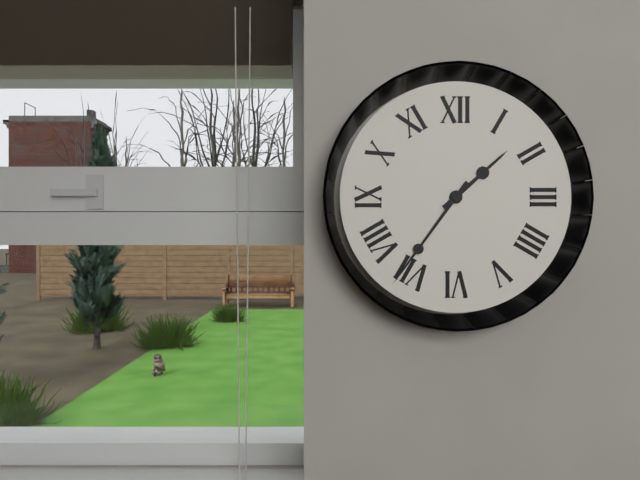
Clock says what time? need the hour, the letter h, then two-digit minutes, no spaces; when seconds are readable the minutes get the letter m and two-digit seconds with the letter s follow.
1h36
